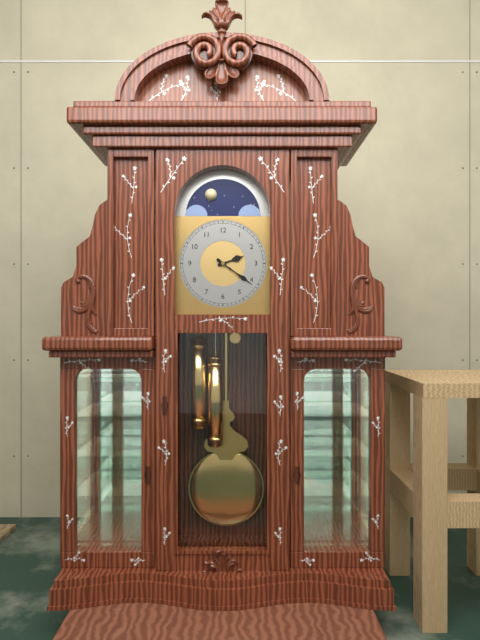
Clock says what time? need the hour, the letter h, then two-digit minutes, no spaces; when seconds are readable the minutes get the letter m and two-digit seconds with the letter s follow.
2h21
